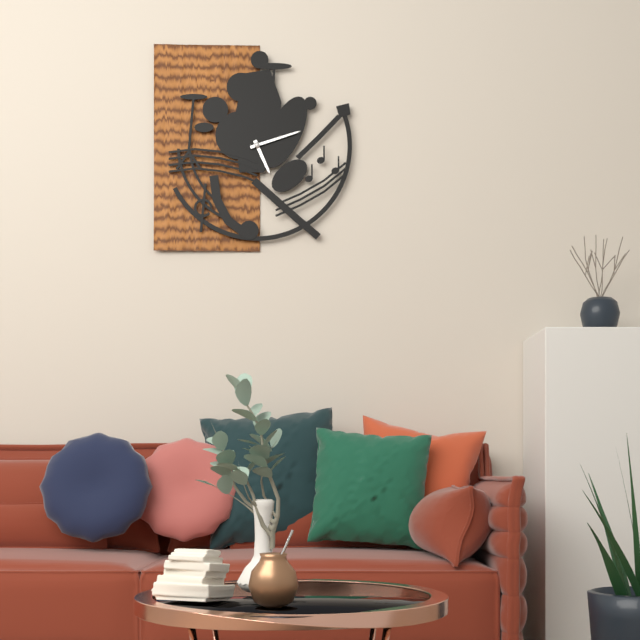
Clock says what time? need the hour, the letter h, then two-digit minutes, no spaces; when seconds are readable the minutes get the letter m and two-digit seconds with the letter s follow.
5h12
